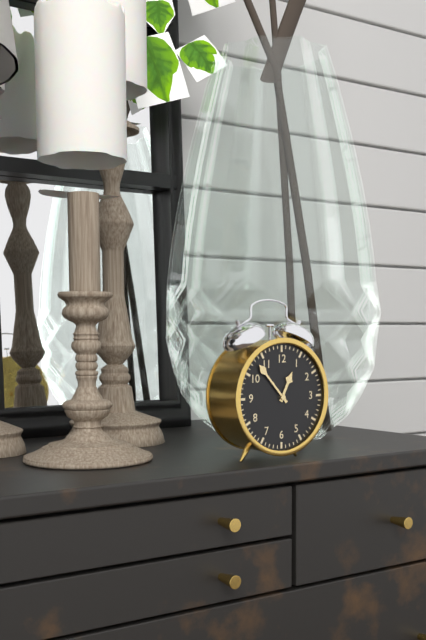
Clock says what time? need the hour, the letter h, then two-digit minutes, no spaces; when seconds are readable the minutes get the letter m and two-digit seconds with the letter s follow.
12h53
